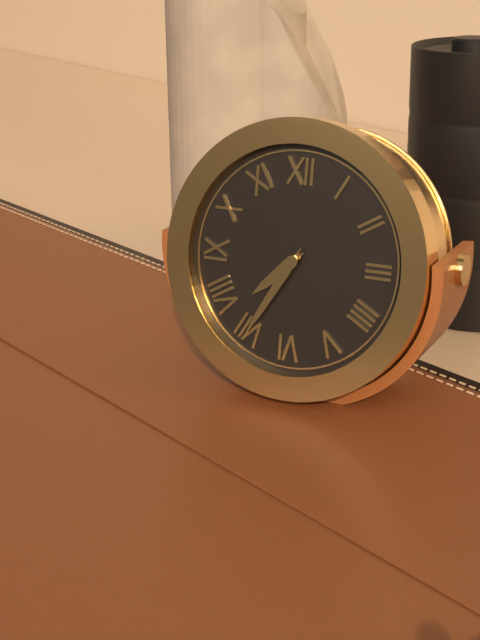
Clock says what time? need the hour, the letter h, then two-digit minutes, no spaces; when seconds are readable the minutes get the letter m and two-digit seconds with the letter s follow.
7h35
